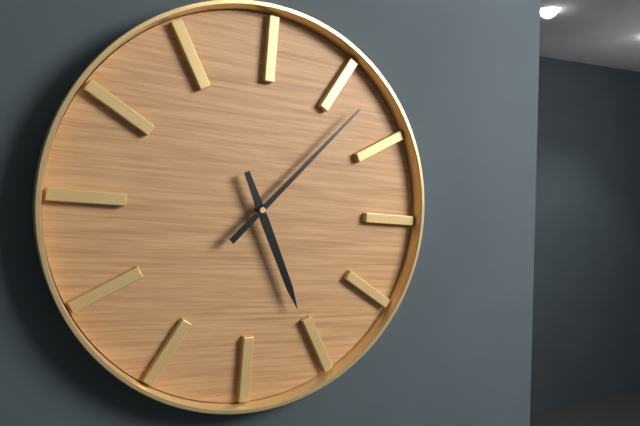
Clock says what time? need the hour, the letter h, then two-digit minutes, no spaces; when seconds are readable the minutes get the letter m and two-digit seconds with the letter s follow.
5h07
